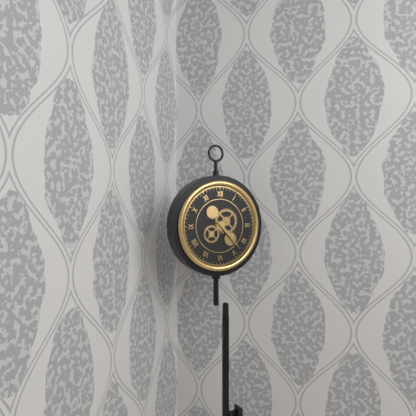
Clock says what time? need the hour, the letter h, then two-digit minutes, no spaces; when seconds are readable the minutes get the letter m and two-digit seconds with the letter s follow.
4h23
